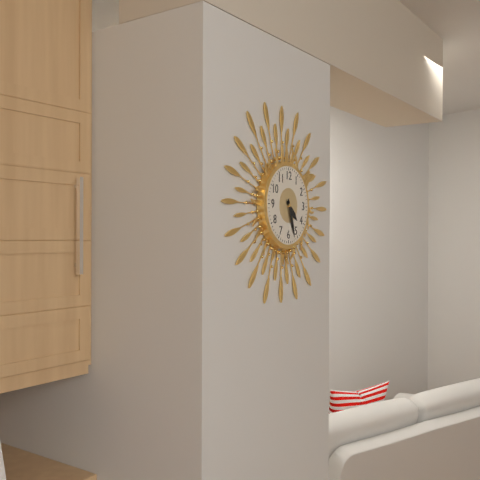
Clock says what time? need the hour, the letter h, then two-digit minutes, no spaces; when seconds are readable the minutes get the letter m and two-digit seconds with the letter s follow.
4h27
